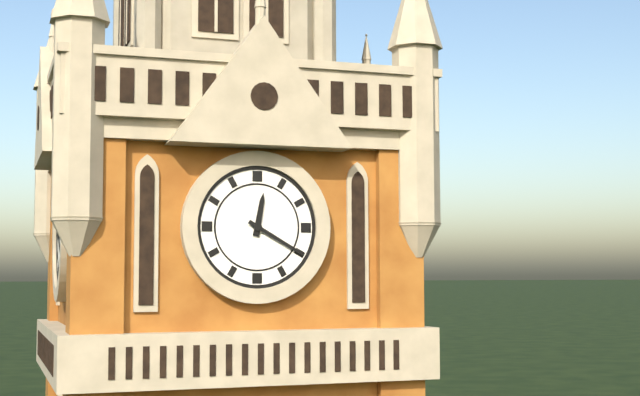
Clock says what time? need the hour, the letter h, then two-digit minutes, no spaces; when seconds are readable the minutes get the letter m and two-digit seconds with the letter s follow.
12h20
